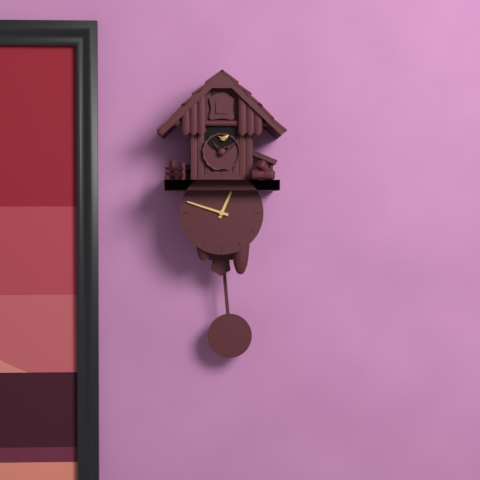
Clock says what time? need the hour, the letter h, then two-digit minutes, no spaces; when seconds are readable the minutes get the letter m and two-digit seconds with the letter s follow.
12h48
